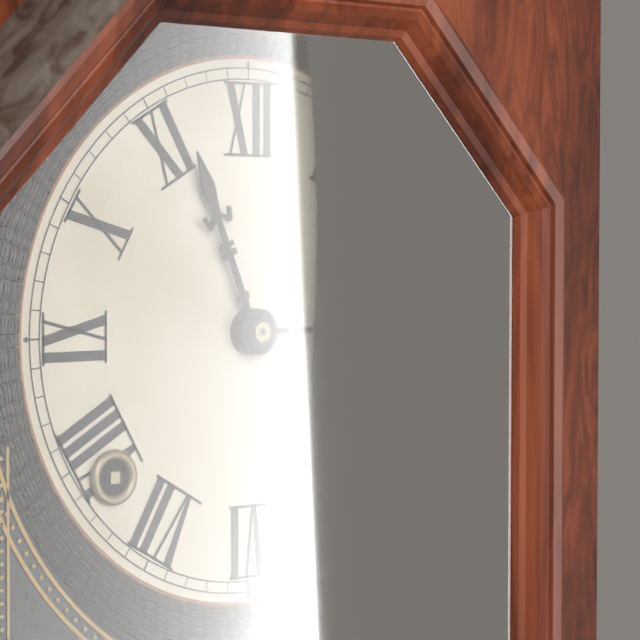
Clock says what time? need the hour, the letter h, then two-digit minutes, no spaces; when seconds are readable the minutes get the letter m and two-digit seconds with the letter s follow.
11h15
